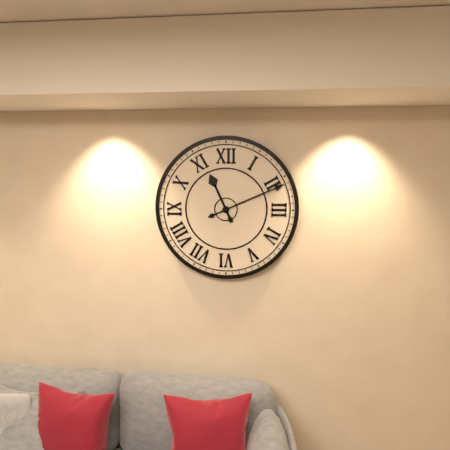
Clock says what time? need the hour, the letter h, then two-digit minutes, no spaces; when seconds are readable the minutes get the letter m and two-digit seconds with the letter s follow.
11h11
